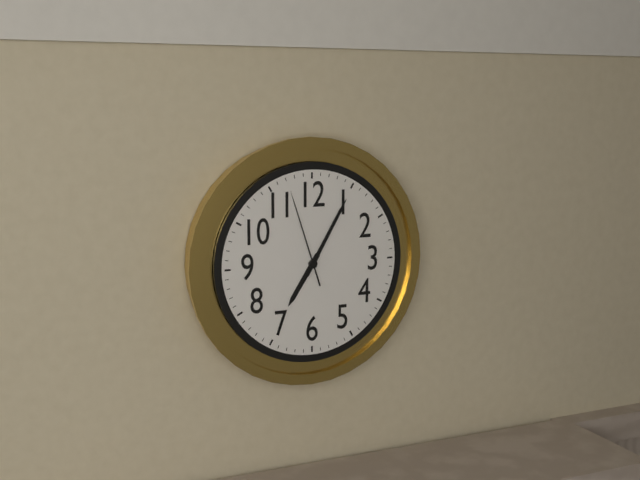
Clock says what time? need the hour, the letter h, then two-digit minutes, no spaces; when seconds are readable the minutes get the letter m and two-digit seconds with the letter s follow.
7h05m57s
